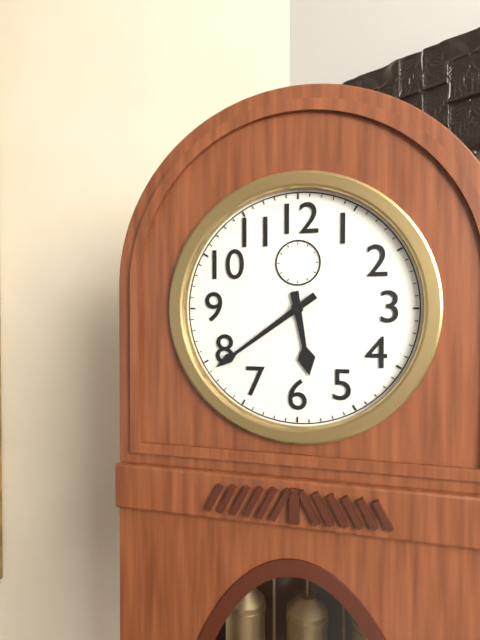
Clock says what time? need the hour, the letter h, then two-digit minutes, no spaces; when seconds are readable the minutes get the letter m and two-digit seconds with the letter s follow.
5h39
